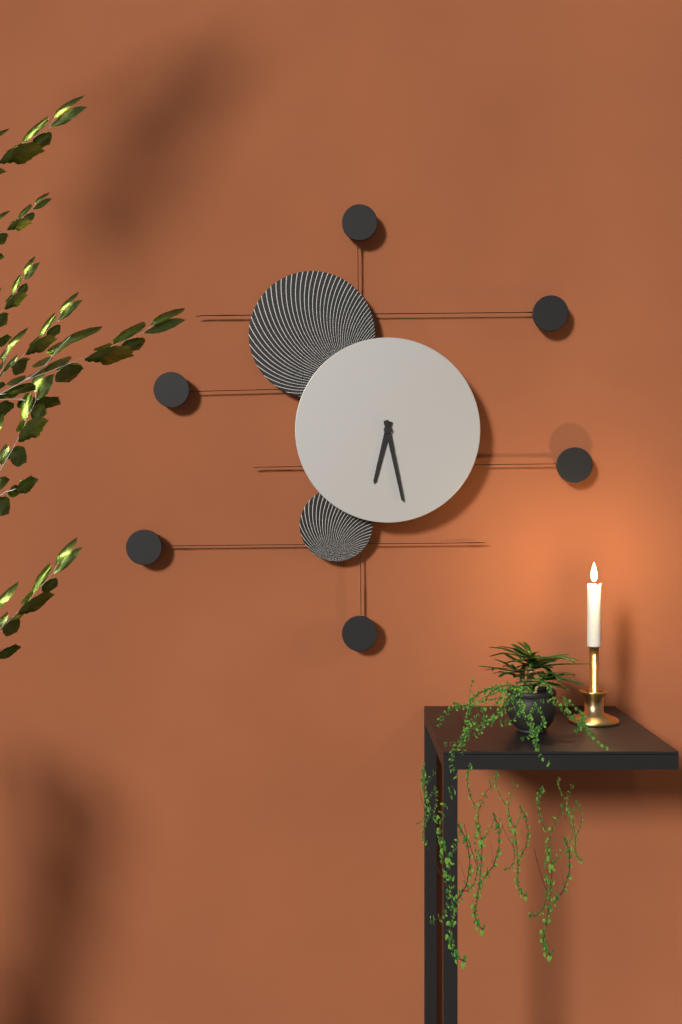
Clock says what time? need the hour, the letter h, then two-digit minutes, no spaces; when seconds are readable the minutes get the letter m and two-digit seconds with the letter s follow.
6h28
